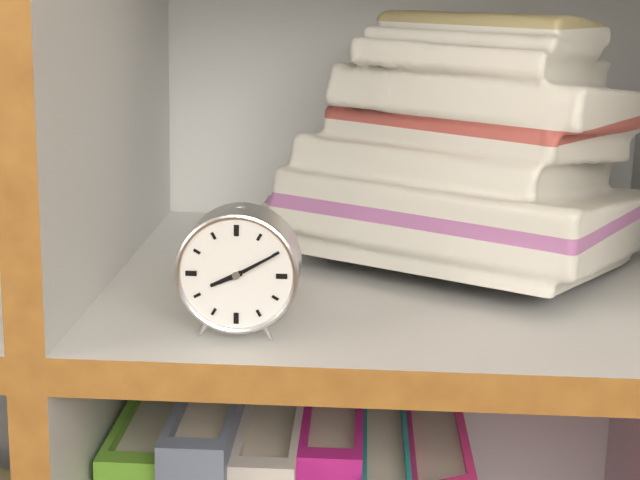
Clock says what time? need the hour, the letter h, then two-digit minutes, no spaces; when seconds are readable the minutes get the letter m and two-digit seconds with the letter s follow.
8h10
